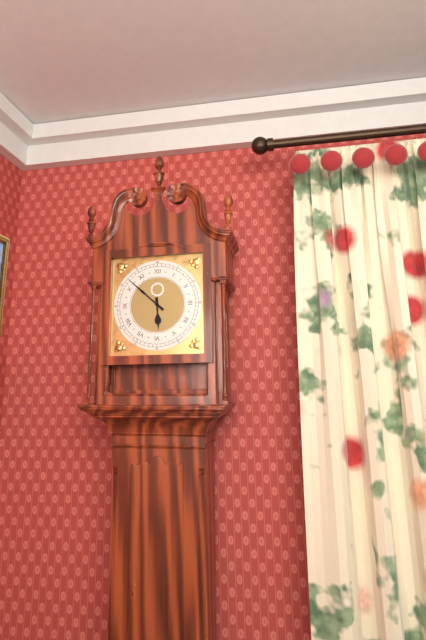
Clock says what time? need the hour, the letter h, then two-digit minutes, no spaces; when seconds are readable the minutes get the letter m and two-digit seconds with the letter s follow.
5h52
